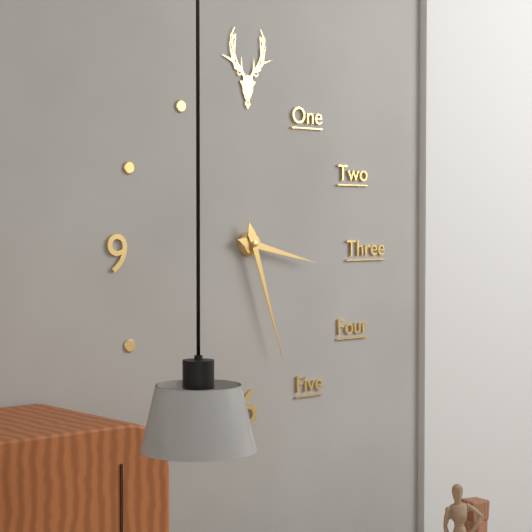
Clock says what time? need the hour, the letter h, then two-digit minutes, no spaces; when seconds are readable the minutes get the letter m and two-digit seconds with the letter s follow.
3h27
